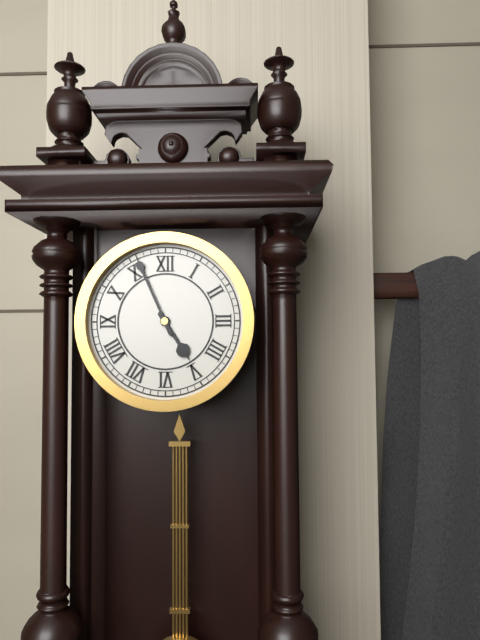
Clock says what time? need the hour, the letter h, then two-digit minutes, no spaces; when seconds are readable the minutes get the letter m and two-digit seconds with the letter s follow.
4h56
